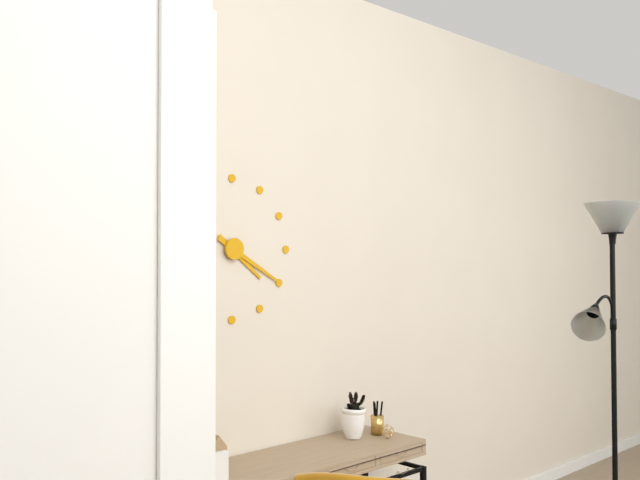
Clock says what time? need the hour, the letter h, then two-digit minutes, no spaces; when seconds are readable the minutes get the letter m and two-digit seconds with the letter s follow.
4h20
